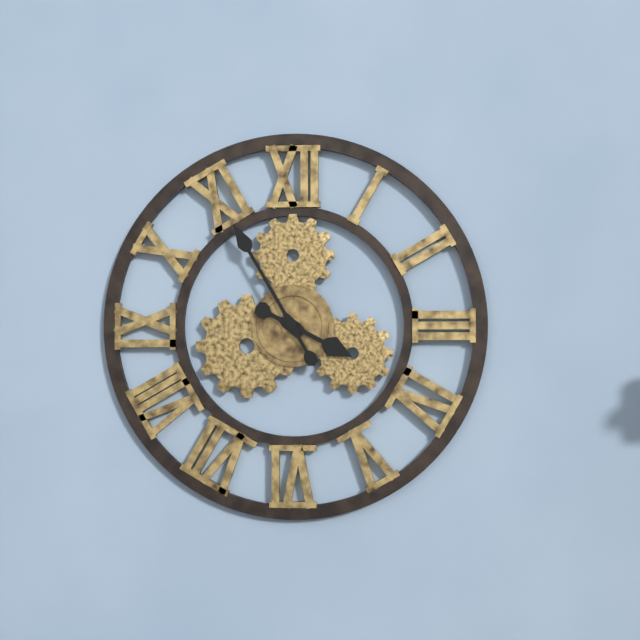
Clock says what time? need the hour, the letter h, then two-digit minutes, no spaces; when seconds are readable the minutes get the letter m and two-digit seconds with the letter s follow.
3h55
